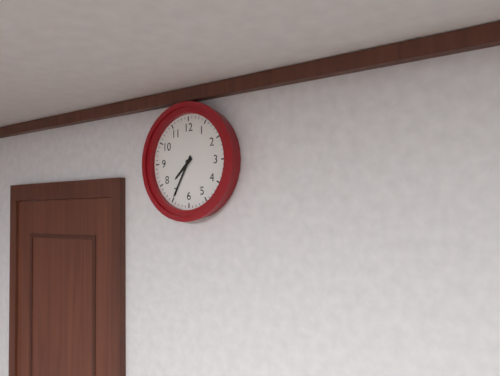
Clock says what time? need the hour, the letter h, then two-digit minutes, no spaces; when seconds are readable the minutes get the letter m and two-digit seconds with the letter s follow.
7h35
